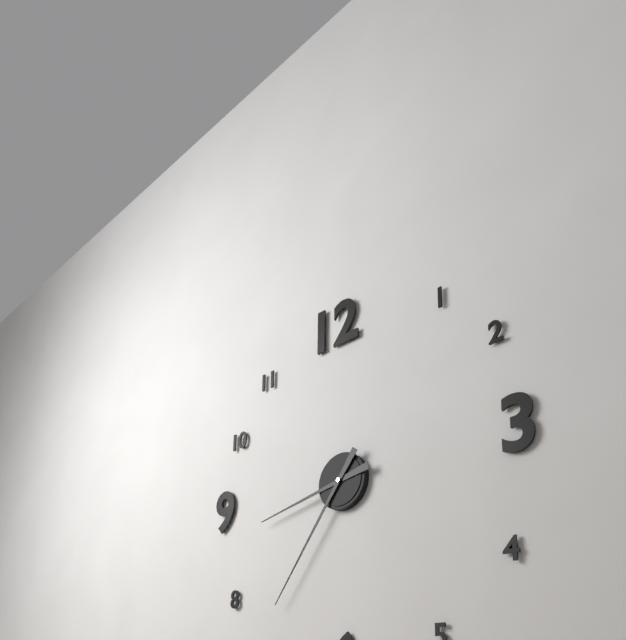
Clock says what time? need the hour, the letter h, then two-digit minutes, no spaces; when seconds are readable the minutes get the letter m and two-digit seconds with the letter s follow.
8h36
